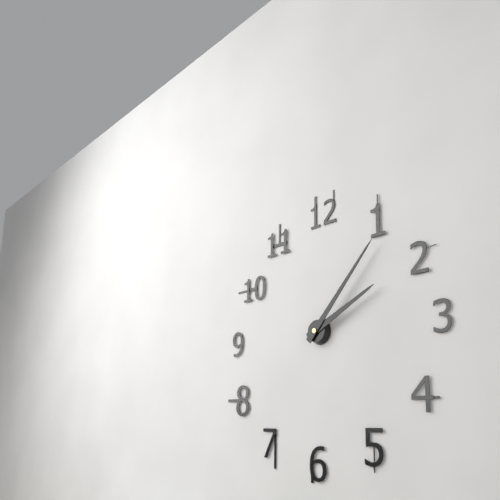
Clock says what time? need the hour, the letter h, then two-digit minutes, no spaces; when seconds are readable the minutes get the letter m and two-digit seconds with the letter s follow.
2h07
